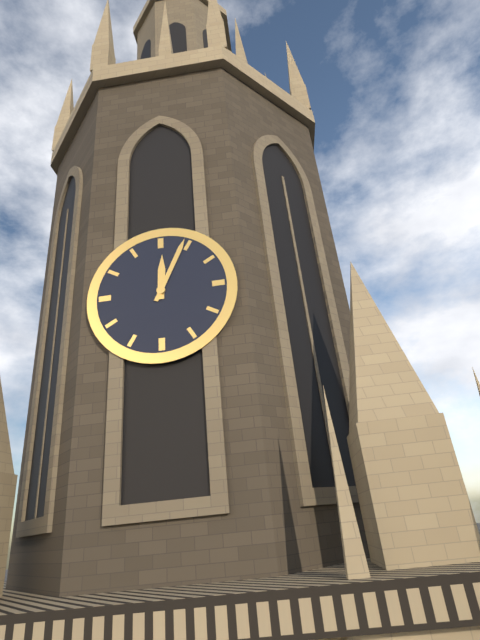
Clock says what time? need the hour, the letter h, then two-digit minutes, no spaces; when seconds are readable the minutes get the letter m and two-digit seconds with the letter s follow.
12h04
